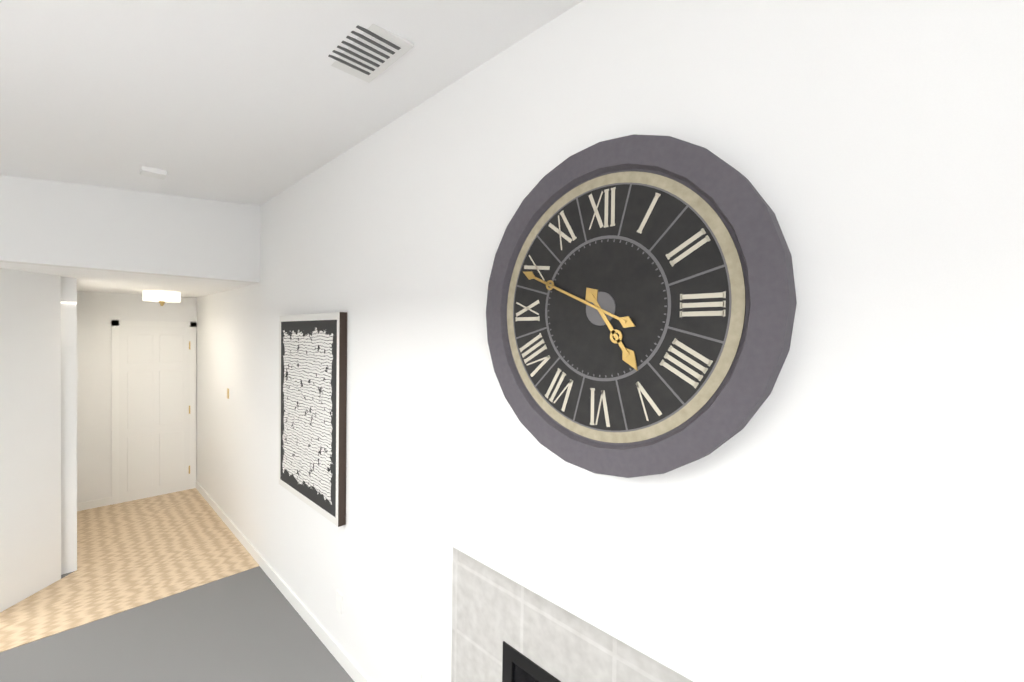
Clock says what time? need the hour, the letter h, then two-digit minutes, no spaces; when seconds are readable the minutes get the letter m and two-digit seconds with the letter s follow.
4h49
